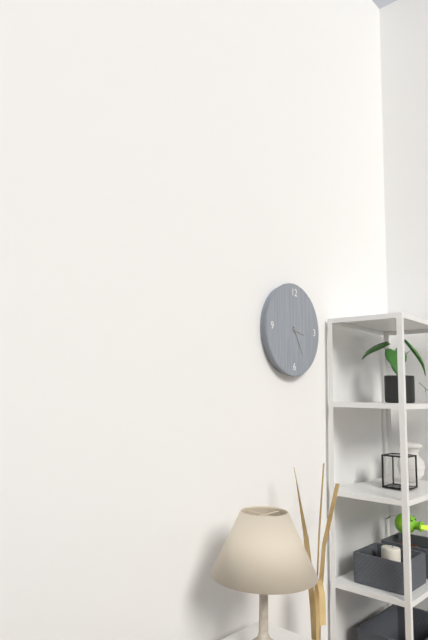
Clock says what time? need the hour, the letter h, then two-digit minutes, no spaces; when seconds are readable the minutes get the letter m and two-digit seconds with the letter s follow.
3h25
